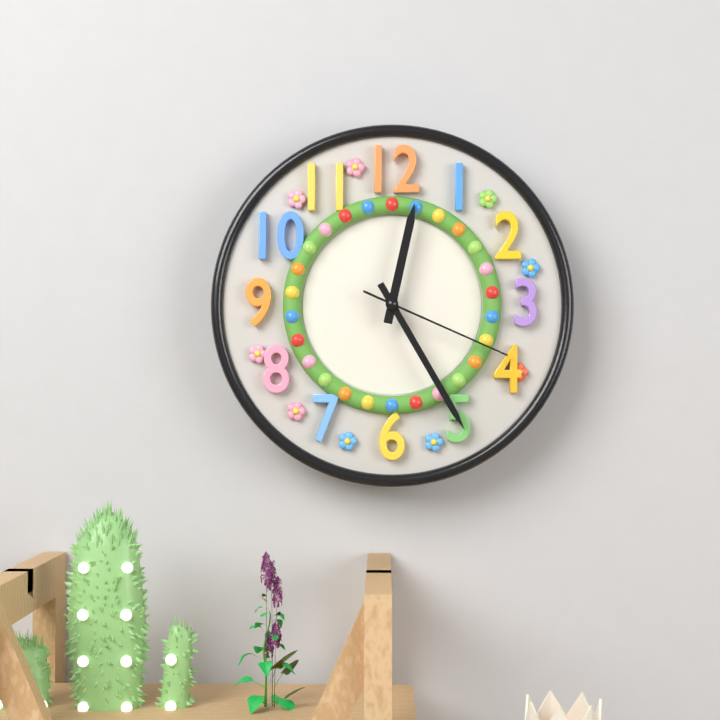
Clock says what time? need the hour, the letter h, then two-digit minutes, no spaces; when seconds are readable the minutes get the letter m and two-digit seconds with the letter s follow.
12h25m19s
